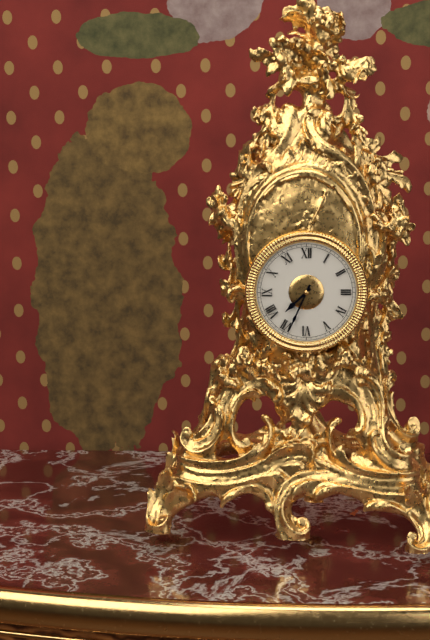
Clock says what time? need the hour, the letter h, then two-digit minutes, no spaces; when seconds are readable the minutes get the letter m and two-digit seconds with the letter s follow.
7h34
